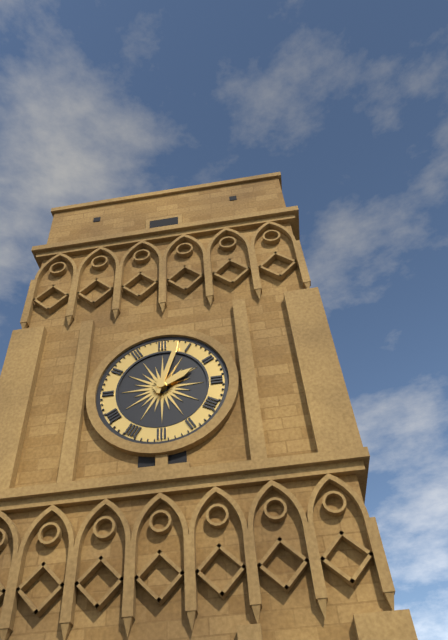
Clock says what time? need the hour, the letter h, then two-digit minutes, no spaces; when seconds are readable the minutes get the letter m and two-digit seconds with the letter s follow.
2h03
